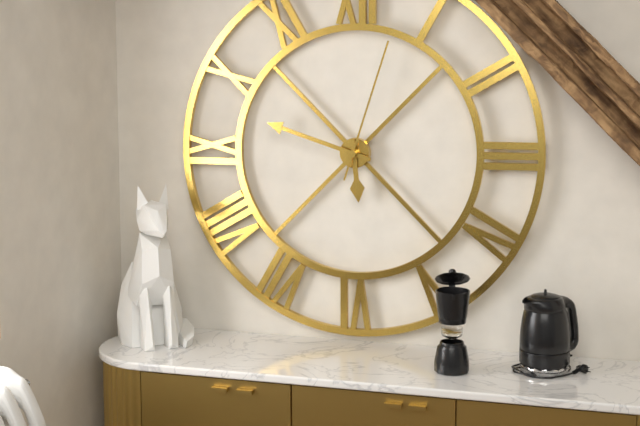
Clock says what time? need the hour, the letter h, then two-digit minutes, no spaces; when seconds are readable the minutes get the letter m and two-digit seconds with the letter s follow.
5h48m03s
